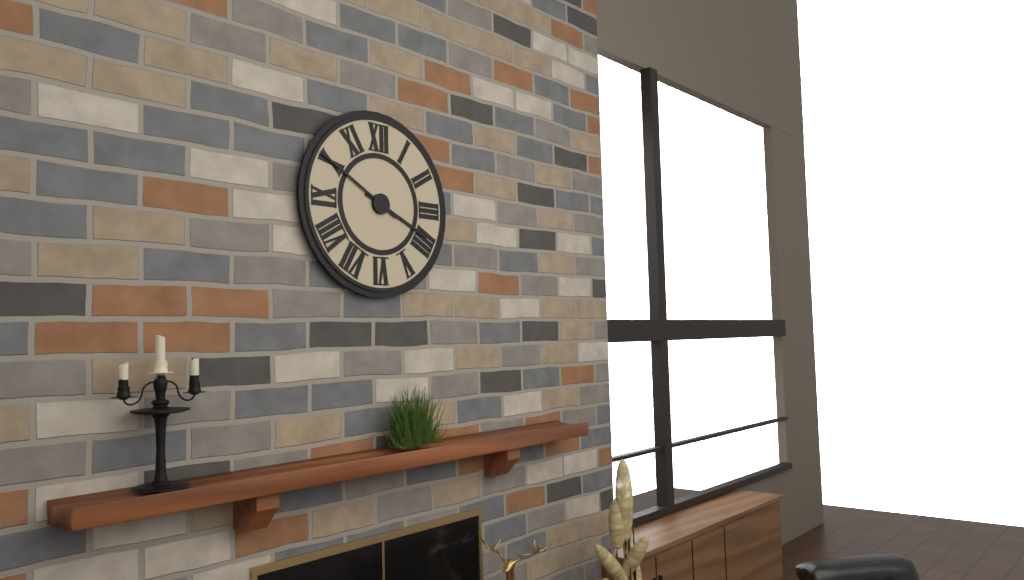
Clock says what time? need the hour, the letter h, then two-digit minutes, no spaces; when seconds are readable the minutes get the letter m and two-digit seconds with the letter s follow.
3h50
